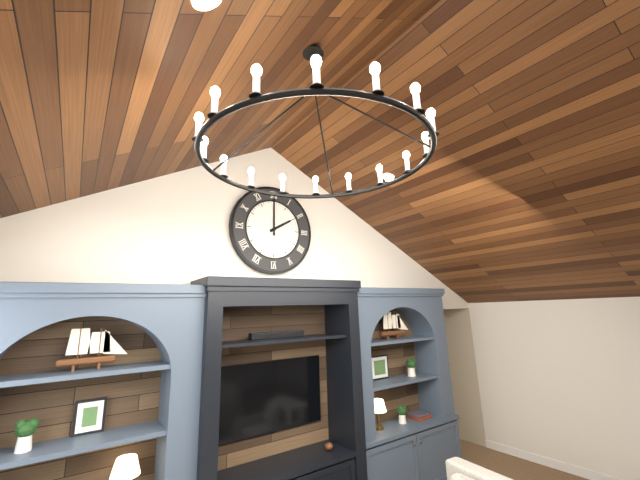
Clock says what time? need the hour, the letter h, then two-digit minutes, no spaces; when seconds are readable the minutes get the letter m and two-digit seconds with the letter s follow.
2h00
